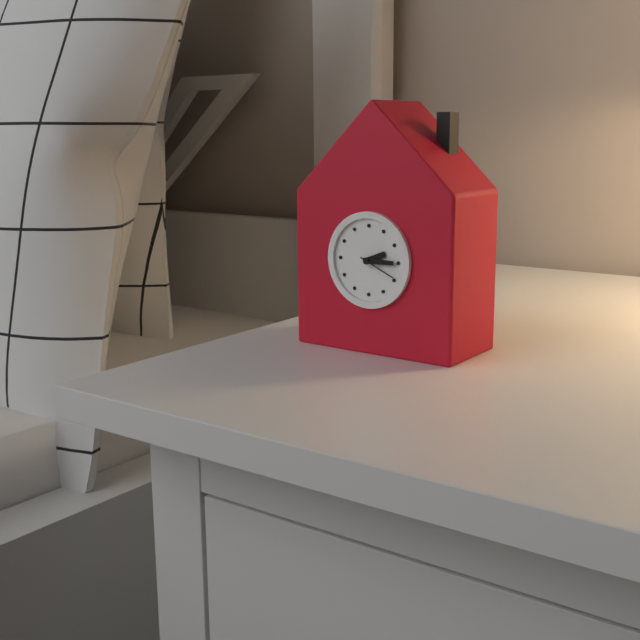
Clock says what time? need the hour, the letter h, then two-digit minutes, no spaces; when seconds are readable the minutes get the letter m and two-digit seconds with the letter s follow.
2h15
